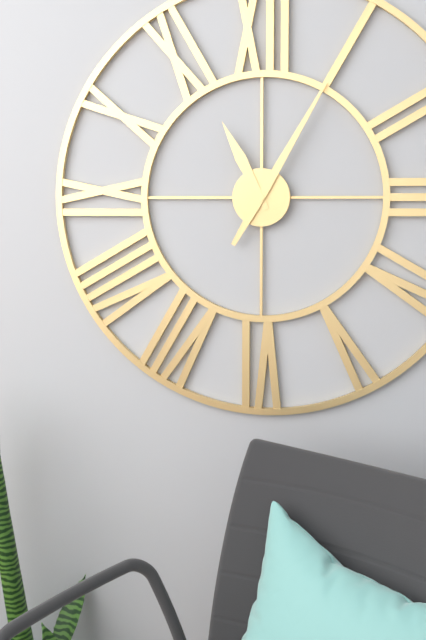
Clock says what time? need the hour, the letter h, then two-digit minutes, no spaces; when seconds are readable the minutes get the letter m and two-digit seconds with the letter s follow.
11h05
